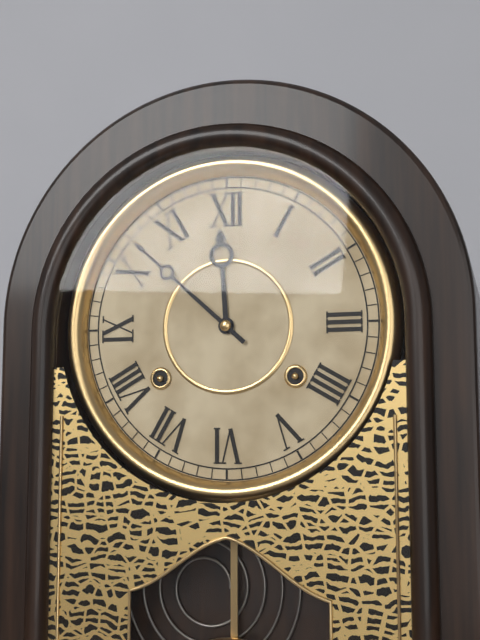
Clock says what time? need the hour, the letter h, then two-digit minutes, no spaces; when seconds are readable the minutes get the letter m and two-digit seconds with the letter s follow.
11h52
